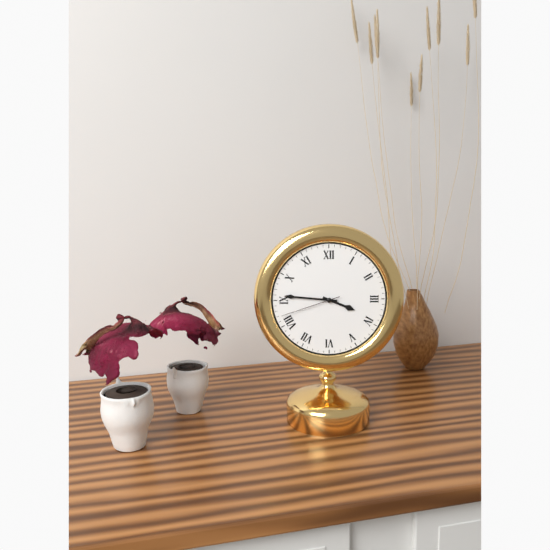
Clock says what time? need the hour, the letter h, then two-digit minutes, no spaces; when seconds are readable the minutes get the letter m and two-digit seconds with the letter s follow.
3h46m42s
